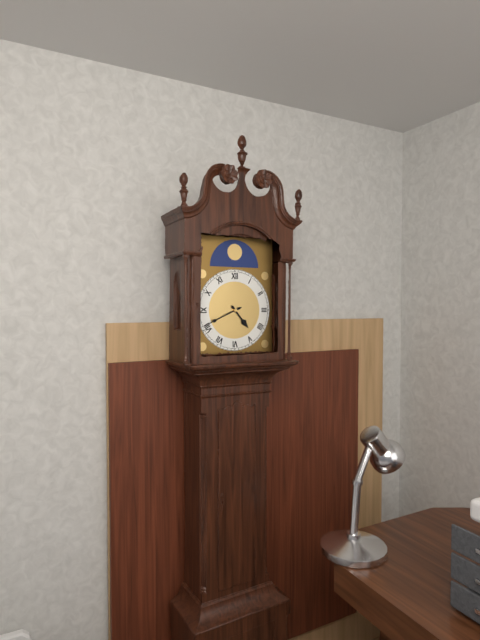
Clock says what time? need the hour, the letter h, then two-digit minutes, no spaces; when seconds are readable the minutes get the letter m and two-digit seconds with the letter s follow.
4h41
